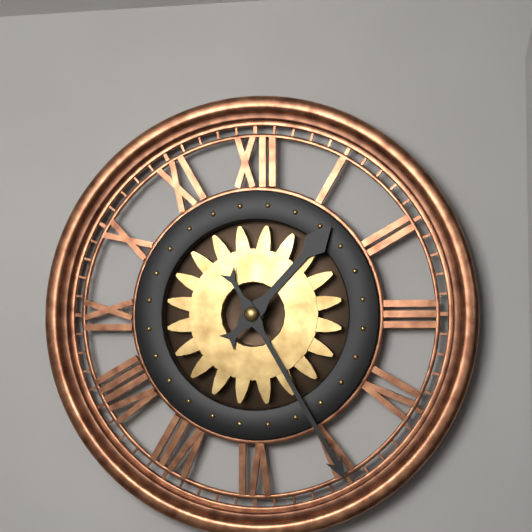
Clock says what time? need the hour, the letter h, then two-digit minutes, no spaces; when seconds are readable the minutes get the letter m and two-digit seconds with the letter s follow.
1h25
